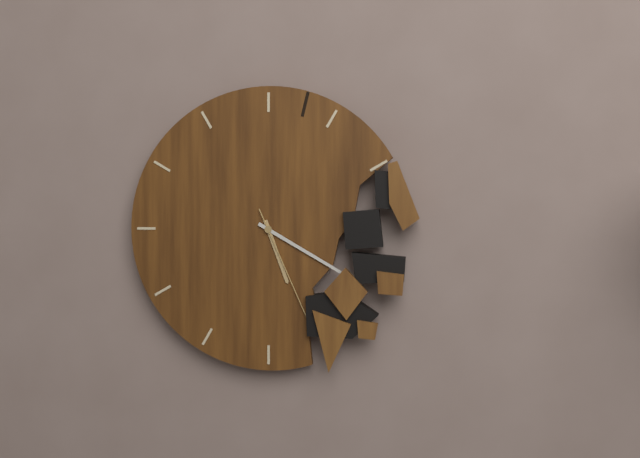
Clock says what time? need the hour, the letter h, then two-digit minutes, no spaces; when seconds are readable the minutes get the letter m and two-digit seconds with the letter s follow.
5h20m26s
